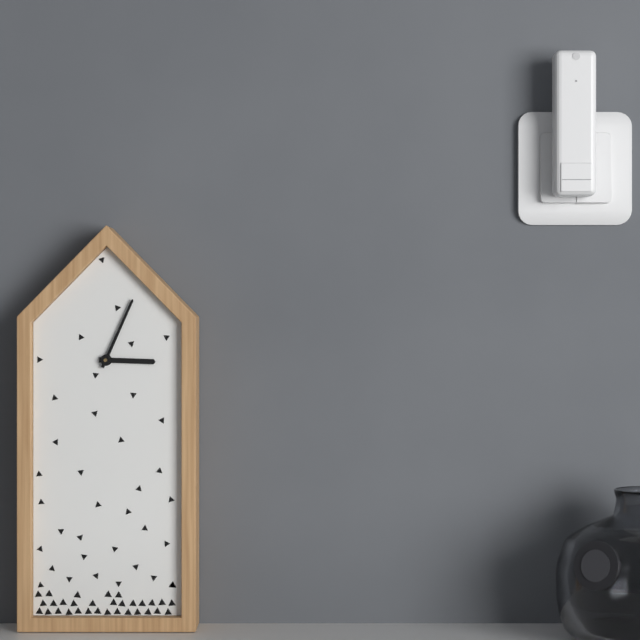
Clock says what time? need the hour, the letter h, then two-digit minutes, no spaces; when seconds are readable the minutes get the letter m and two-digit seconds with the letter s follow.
3h04
